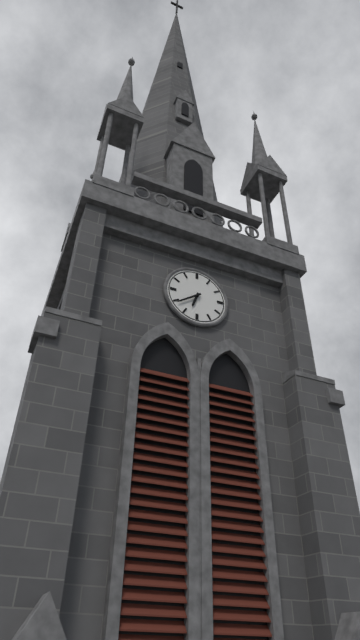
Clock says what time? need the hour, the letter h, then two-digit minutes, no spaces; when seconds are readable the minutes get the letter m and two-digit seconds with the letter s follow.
6h39
